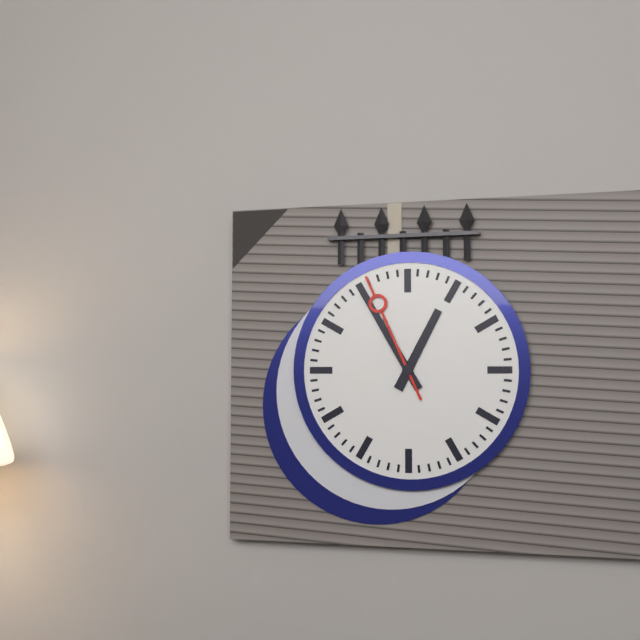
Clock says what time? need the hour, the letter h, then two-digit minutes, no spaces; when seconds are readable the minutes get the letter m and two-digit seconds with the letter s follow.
12h55m56s
